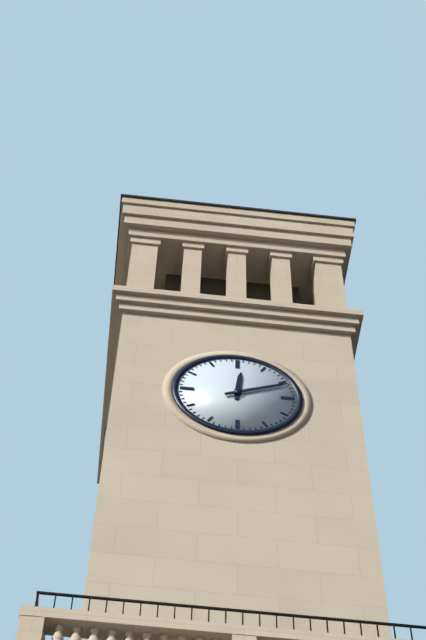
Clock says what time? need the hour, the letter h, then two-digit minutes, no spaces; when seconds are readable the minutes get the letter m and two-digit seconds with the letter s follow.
12h11
